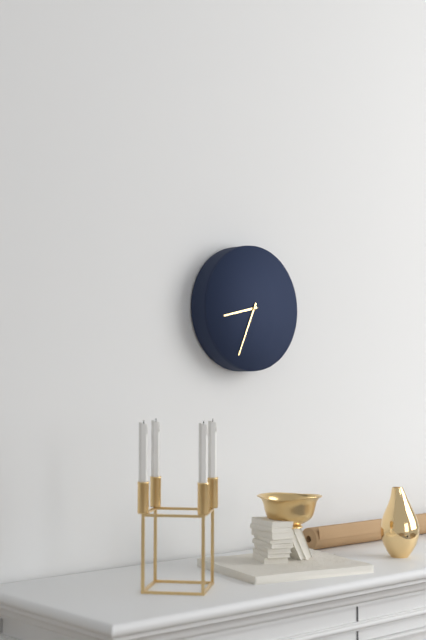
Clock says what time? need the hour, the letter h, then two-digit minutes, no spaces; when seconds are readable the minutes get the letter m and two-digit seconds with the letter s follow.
8h34
